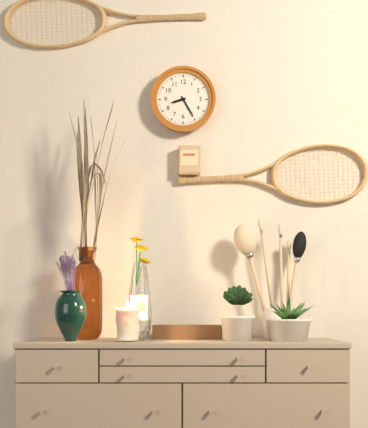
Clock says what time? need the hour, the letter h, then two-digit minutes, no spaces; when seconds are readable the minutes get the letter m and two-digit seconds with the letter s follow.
8h25
